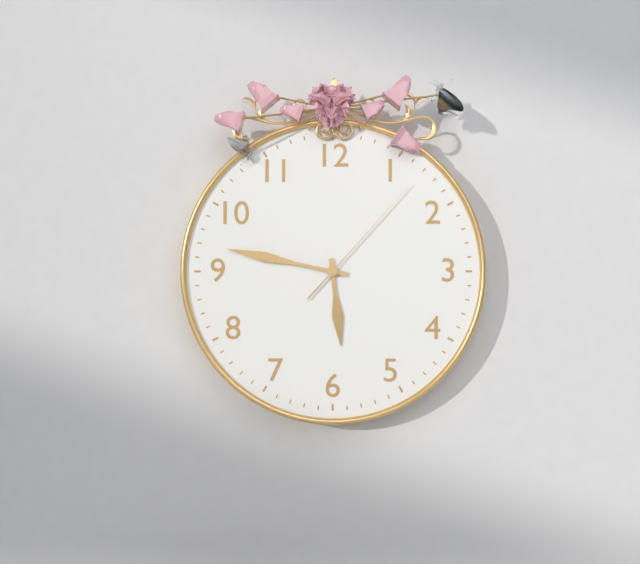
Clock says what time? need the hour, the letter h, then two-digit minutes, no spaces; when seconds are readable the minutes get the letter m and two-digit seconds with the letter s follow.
5h47m07s
